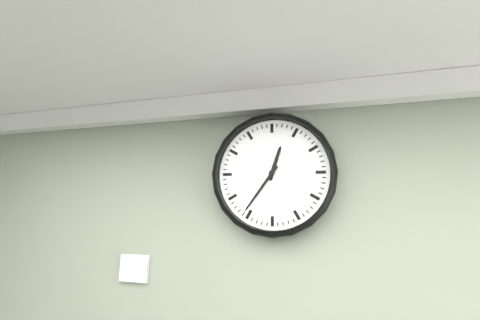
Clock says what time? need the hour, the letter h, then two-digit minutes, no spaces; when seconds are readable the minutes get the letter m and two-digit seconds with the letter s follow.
12h36
